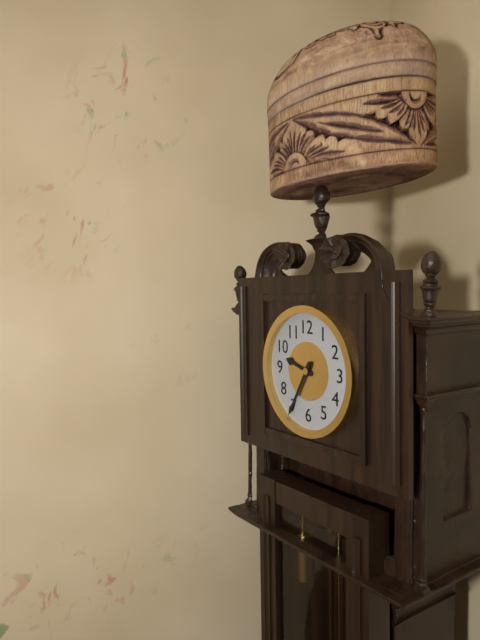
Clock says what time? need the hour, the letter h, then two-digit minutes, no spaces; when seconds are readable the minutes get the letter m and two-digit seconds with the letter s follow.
9h35
